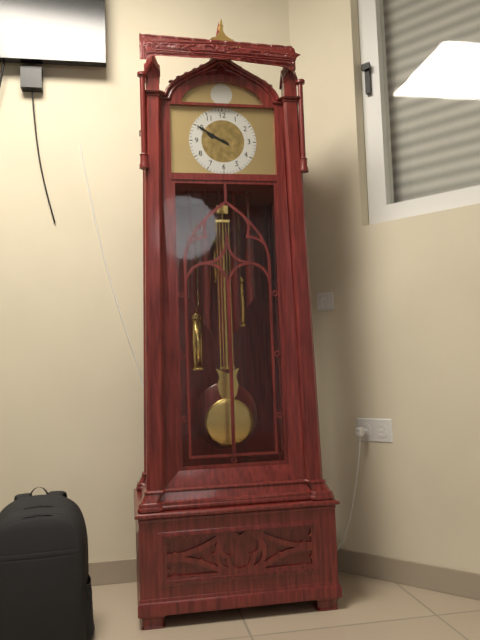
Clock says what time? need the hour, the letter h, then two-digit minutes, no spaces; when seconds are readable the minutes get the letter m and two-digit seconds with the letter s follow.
9h50
